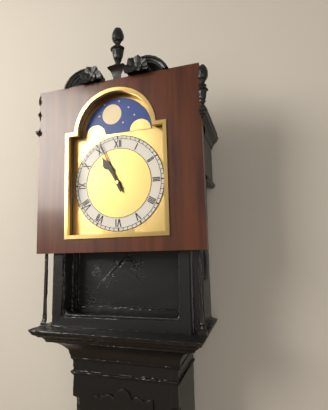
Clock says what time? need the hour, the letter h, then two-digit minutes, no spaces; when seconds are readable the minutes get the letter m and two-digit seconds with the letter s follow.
10h56
